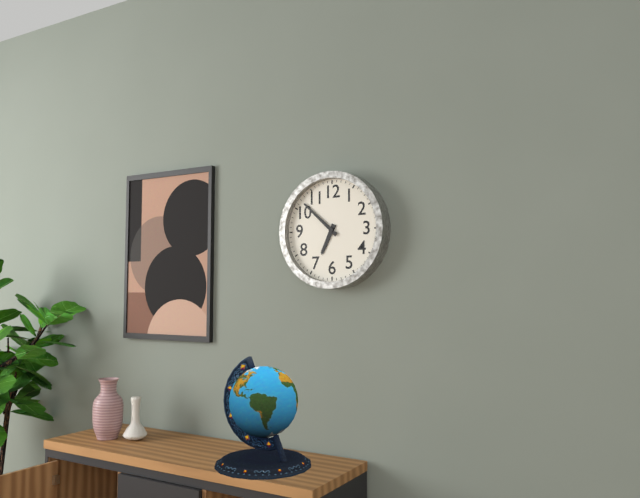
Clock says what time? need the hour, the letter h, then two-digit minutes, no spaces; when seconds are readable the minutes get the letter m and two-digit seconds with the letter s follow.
6h52
